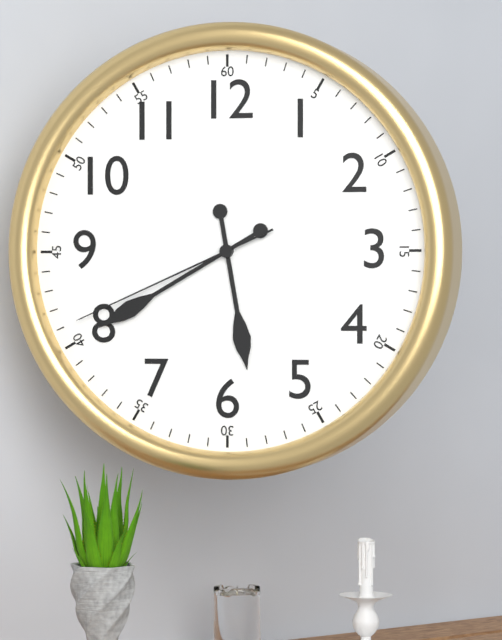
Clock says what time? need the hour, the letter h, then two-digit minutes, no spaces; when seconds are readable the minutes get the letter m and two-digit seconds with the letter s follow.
5h40m41s
